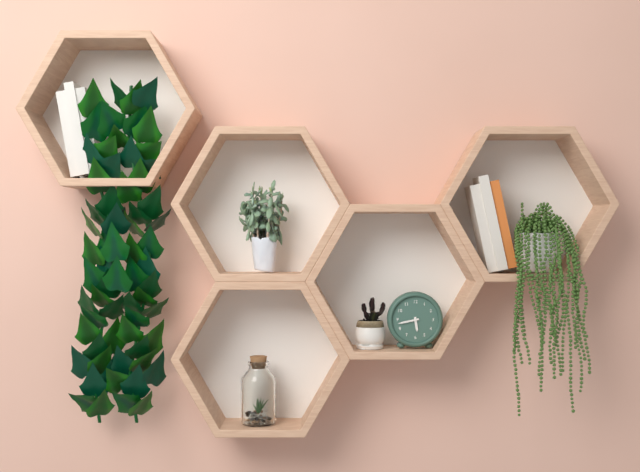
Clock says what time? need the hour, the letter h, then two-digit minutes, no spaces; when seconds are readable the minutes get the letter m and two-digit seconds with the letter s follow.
5h43
